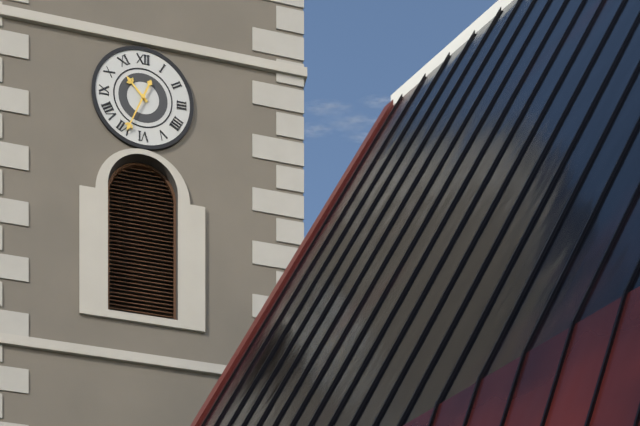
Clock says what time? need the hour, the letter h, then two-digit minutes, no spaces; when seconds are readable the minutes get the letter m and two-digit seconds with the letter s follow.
10h34
